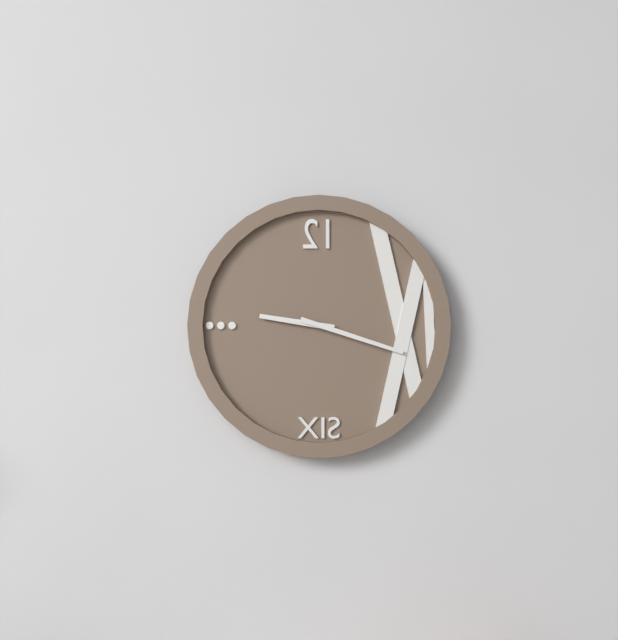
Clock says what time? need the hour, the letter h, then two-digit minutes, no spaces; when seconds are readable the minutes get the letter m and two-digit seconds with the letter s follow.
9h18
